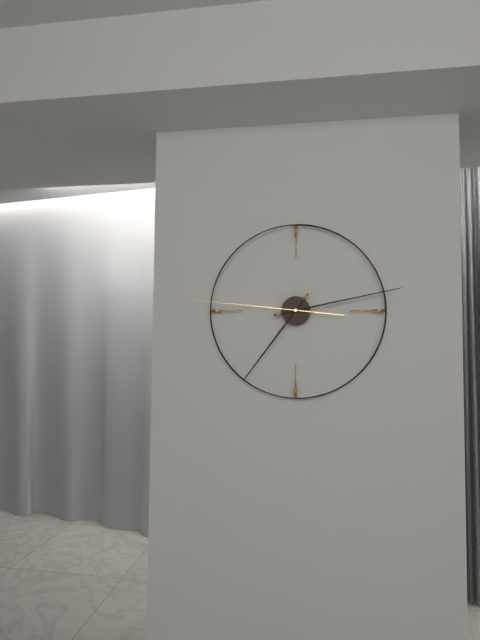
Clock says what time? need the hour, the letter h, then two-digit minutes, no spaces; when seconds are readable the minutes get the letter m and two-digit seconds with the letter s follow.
7h13m46s
